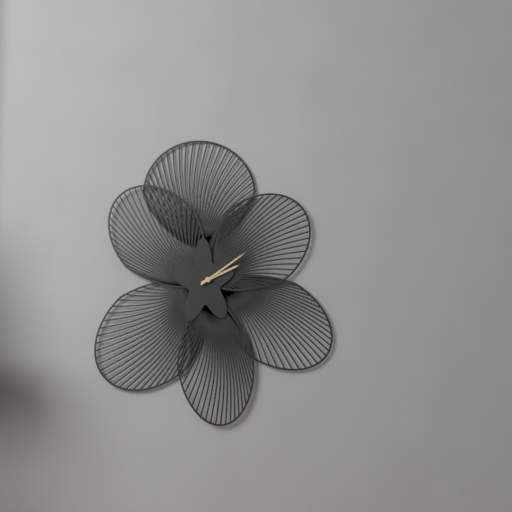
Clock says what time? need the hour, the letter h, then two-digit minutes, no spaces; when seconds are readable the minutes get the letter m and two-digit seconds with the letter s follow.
2h09
